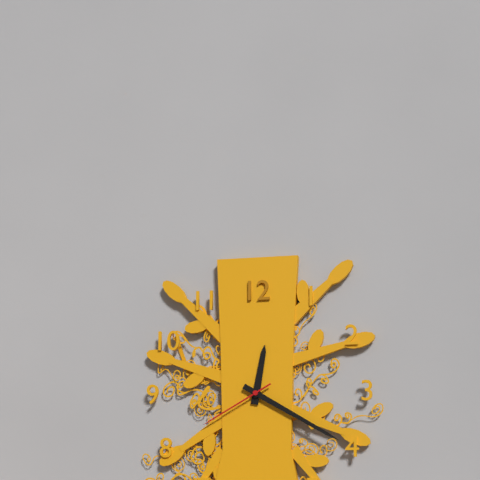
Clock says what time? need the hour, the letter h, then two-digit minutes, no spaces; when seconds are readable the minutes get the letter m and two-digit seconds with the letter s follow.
12h20m40s
